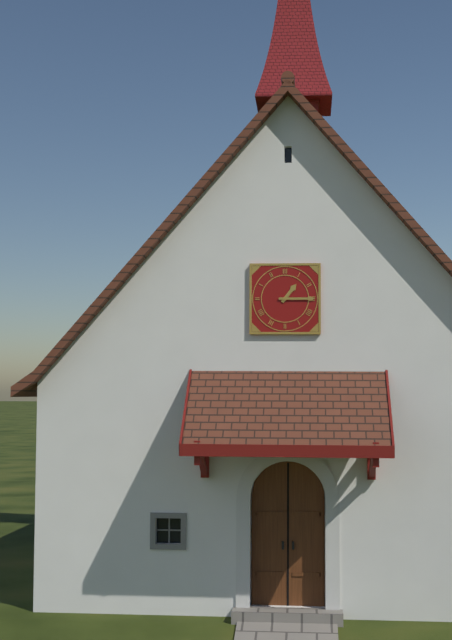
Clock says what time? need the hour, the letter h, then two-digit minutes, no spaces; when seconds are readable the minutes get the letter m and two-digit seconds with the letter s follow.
1h15
